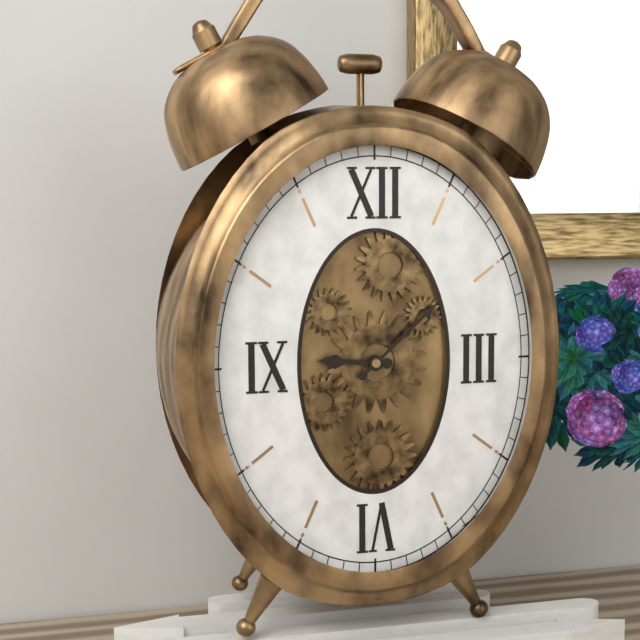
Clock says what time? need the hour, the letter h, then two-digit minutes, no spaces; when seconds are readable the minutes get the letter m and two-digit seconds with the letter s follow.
9h08
